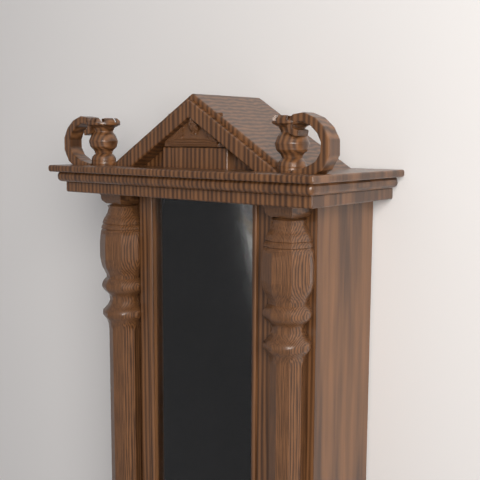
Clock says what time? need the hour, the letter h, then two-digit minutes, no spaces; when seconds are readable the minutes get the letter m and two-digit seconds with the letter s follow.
3h18
